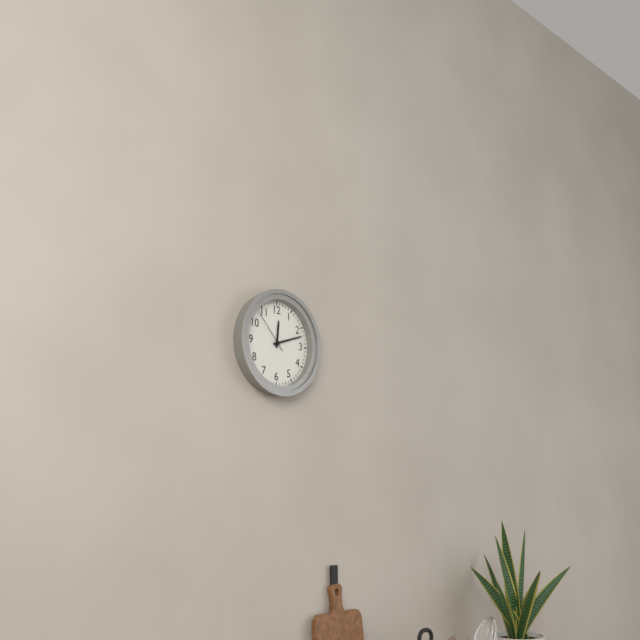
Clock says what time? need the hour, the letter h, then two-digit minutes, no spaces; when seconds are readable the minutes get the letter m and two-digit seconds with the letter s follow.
12h12
